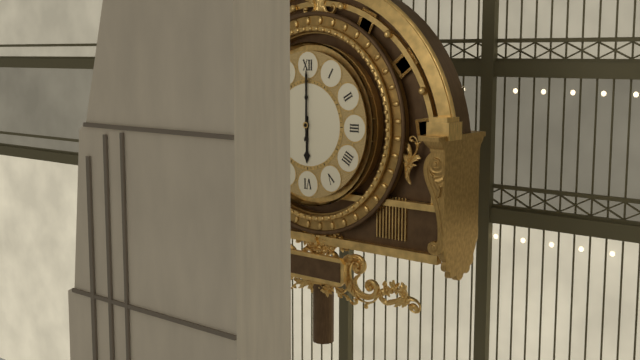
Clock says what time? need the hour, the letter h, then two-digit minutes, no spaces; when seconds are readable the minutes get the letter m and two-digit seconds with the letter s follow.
6h00
